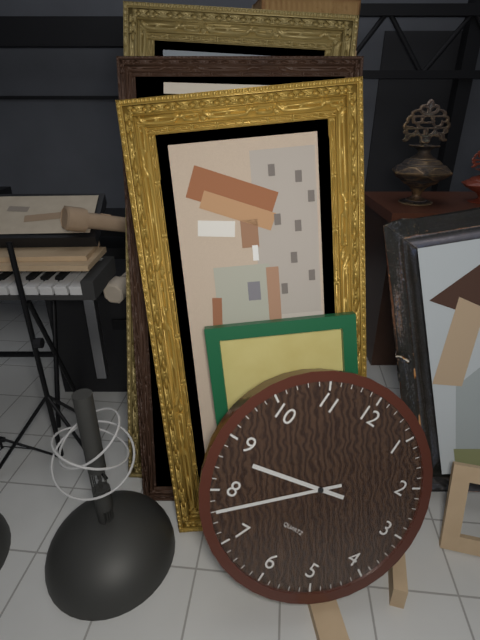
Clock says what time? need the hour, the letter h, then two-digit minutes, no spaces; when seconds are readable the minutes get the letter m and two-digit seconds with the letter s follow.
8h38
